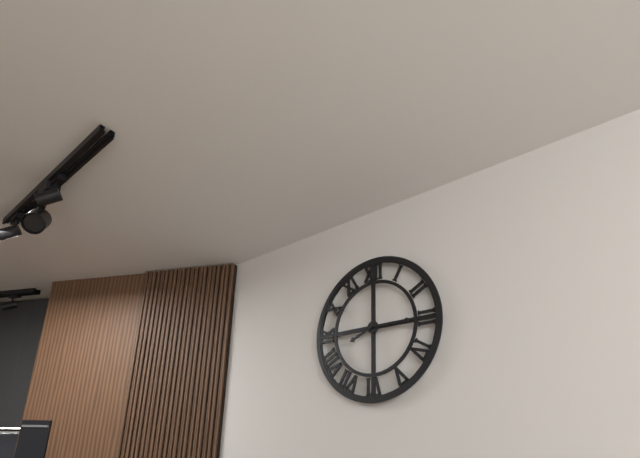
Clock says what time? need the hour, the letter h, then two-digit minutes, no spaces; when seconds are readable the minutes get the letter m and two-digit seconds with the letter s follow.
8h15
